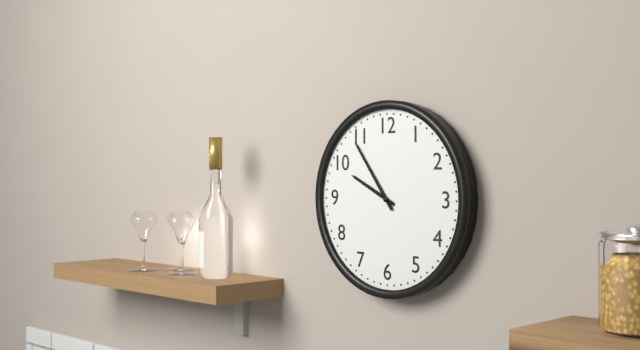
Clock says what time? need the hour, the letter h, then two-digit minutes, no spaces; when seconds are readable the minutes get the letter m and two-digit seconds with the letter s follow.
9h54
